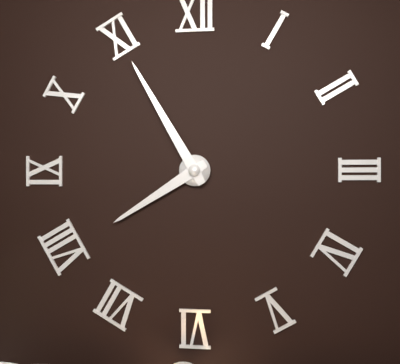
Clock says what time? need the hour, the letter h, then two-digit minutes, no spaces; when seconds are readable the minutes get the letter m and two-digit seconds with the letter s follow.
7h55
